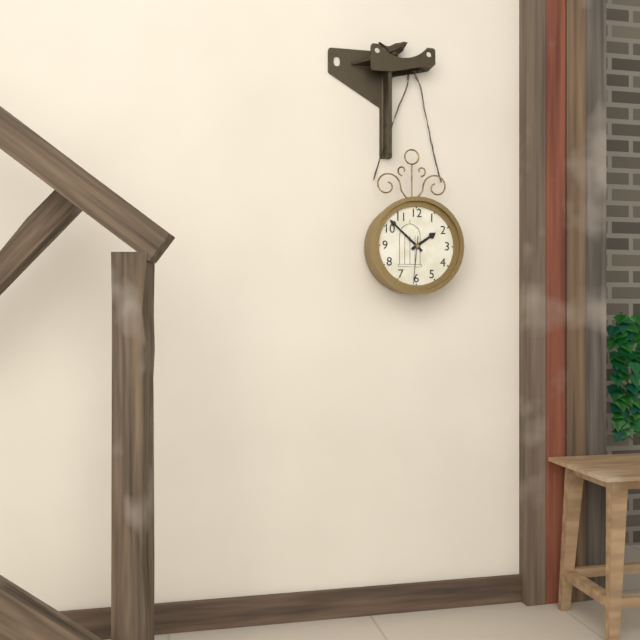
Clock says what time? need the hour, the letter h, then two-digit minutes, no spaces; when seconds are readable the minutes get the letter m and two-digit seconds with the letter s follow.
1h52
